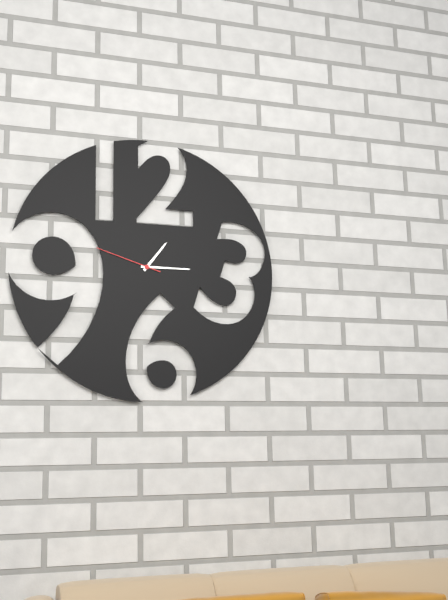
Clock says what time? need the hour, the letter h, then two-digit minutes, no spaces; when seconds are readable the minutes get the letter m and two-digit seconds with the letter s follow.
1h15m48s
